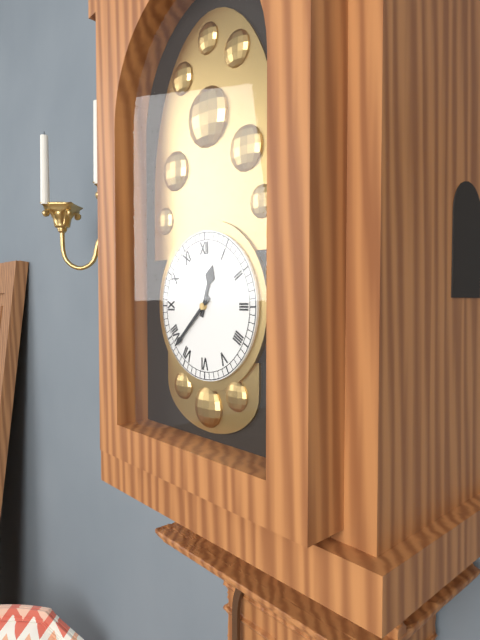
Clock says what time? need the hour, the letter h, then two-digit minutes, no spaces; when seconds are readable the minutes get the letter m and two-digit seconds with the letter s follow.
12h38
